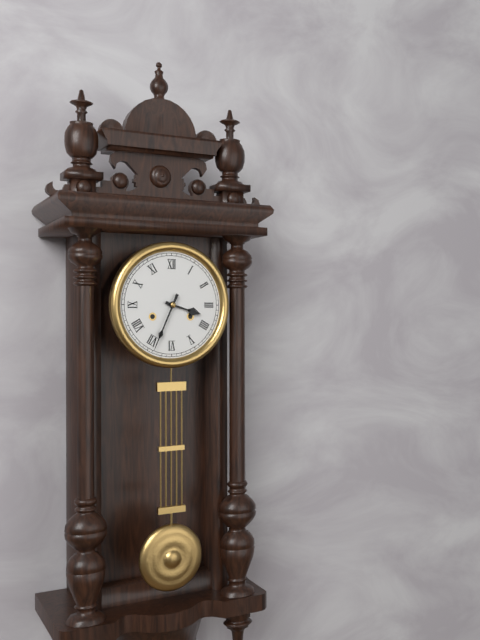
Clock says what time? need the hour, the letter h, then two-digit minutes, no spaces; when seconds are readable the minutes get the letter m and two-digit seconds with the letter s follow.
3h34
